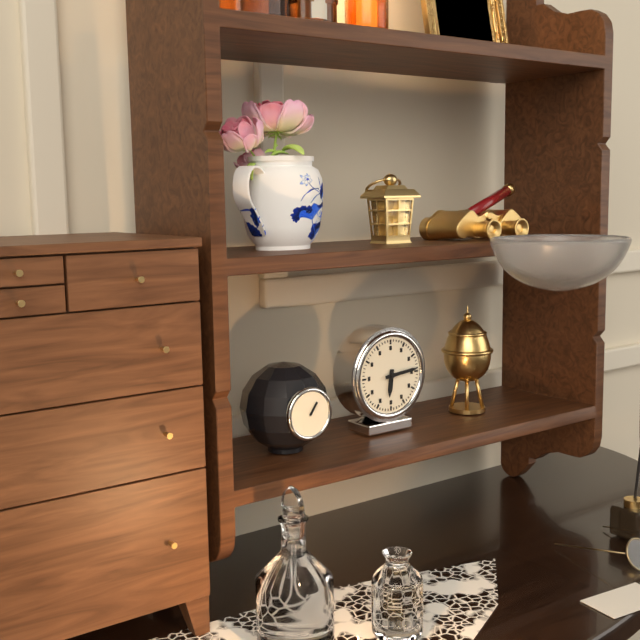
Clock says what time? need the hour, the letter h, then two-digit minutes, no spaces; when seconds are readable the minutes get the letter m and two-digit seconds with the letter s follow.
6h14
